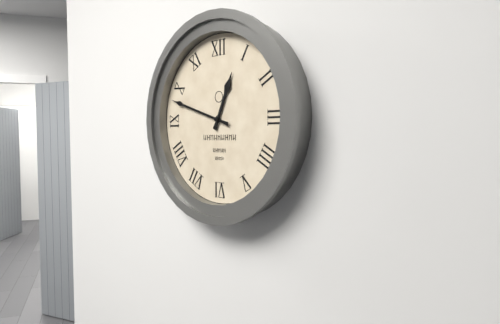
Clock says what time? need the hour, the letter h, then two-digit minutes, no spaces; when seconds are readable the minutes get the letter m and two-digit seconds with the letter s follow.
12h48
